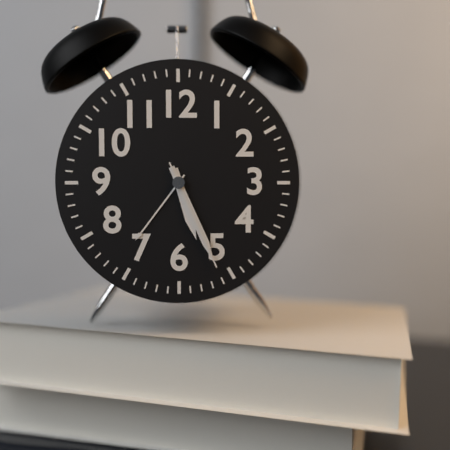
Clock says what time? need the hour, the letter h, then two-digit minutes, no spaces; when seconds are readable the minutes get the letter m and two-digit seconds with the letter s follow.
5h26m26s
